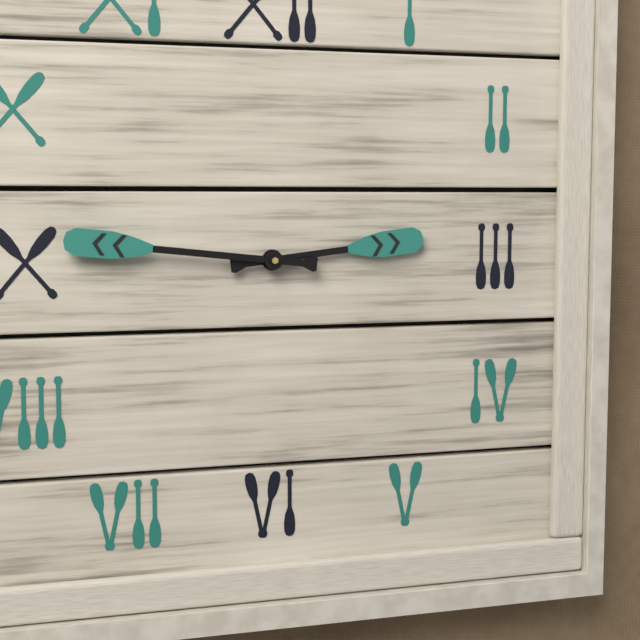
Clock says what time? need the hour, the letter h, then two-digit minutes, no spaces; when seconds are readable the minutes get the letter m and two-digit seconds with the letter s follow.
2h46
